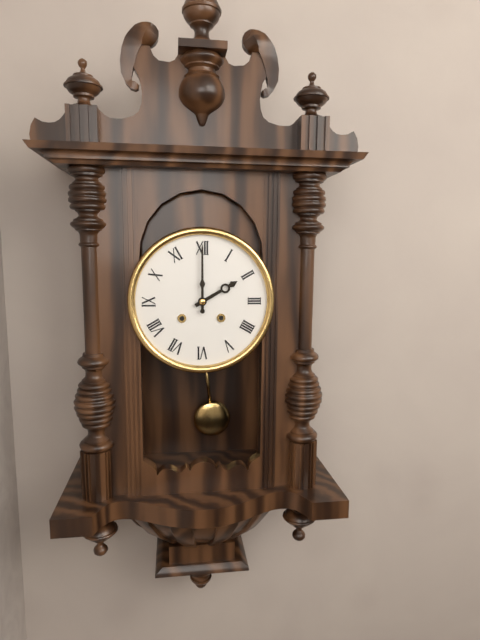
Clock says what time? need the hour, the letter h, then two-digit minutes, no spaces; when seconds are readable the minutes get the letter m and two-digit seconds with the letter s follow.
2h00
